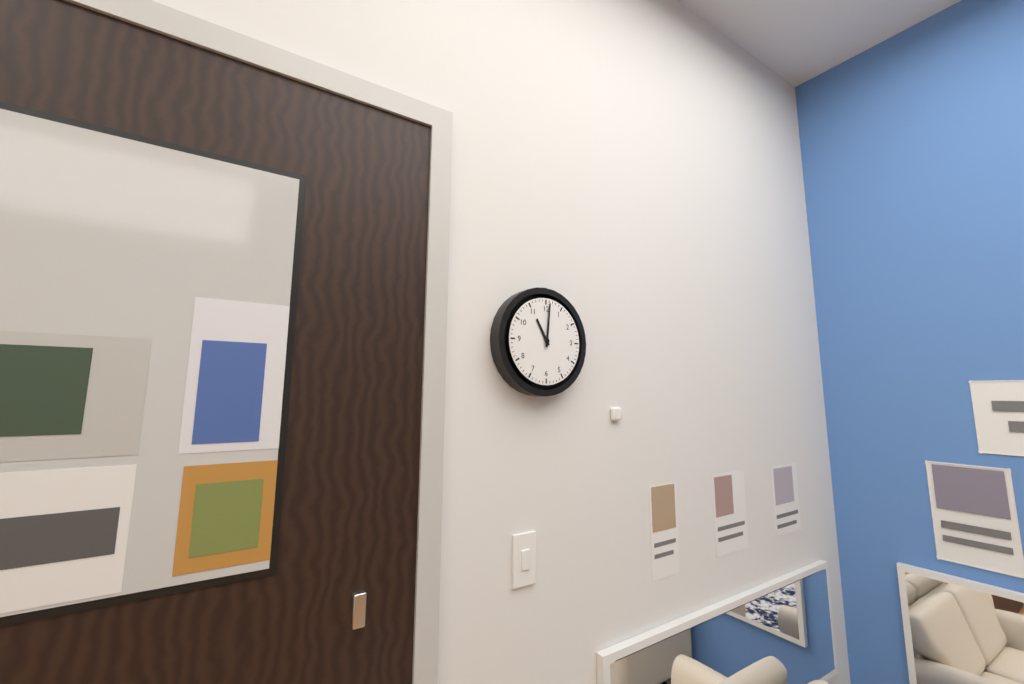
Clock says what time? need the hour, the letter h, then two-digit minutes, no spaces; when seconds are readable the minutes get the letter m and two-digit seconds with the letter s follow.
11h01
